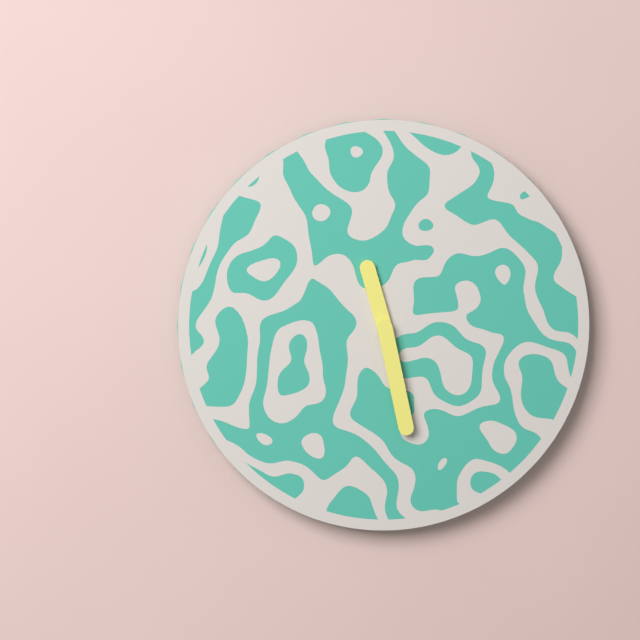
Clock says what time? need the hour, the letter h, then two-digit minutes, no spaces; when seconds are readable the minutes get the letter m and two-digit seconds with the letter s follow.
11h28
